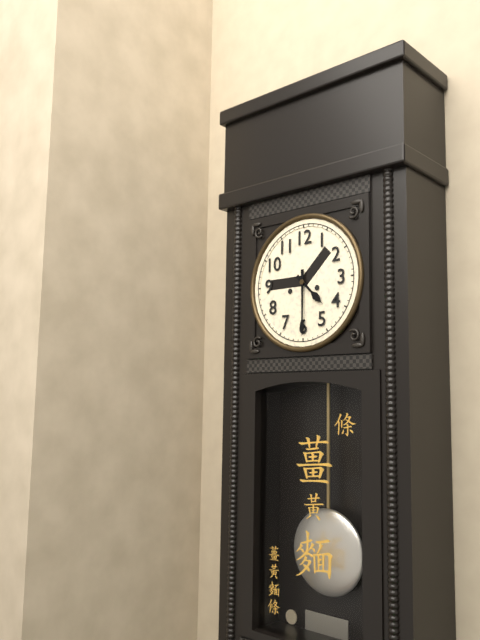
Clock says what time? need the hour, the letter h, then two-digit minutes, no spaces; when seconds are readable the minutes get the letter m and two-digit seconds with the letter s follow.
4h30
